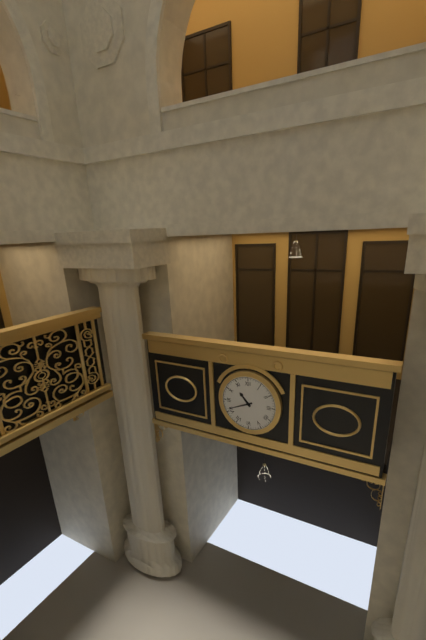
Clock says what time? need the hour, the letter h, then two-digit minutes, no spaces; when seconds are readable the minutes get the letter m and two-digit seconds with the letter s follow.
10h41
